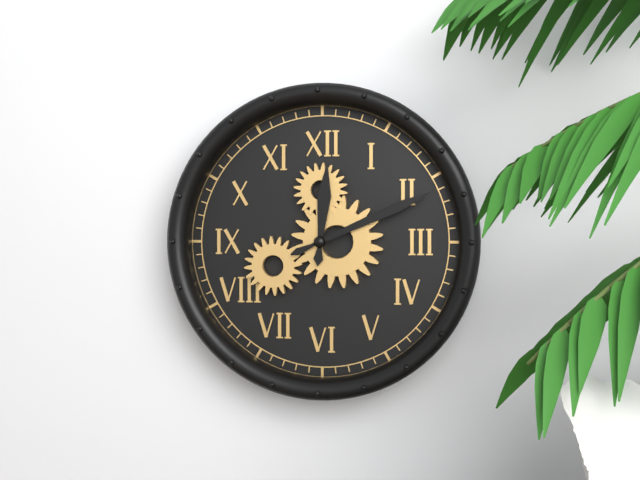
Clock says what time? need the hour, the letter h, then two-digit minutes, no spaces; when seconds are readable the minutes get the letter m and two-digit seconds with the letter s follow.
12h11
